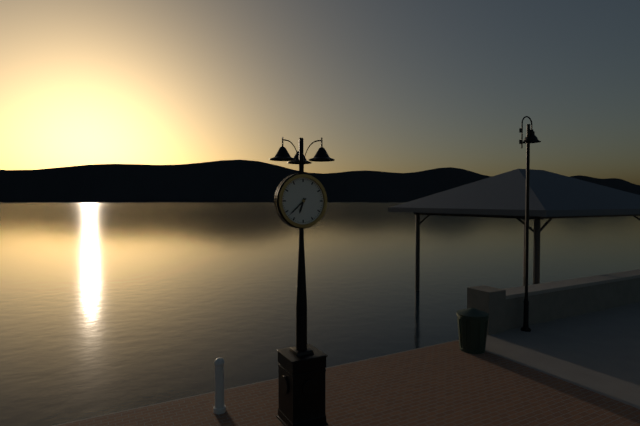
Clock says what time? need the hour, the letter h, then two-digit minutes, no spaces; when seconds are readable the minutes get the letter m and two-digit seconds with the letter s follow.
6h38
